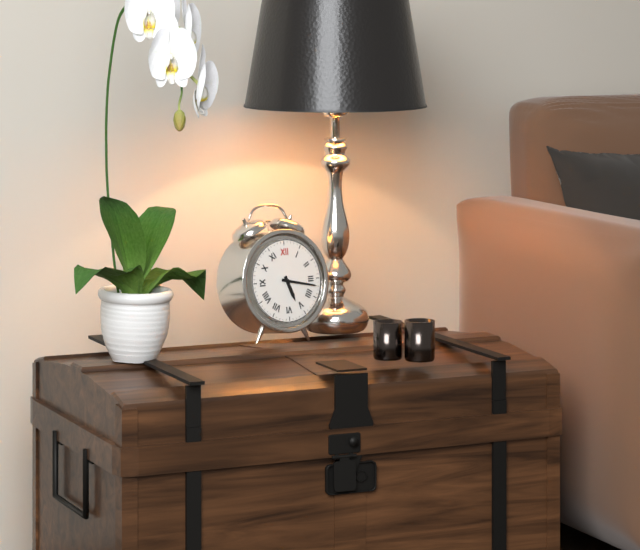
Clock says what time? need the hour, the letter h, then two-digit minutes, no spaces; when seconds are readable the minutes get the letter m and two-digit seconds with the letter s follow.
5h17
